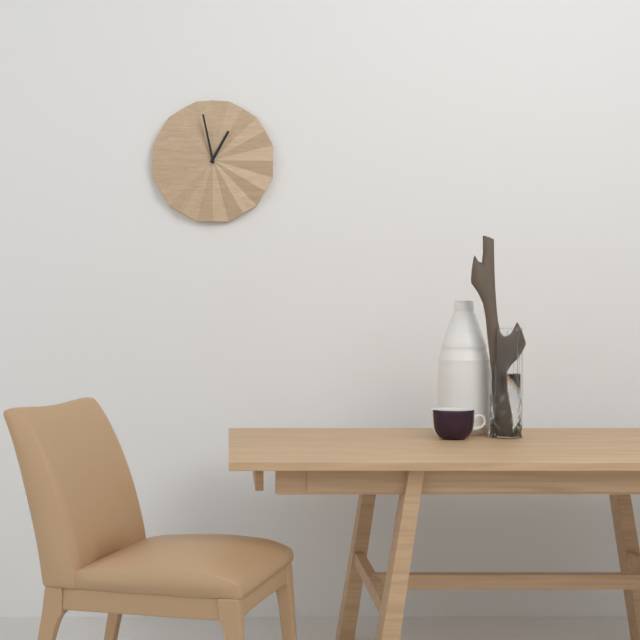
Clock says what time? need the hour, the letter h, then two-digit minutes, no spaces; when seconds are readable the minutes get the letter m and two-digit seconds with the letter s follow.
12h58
